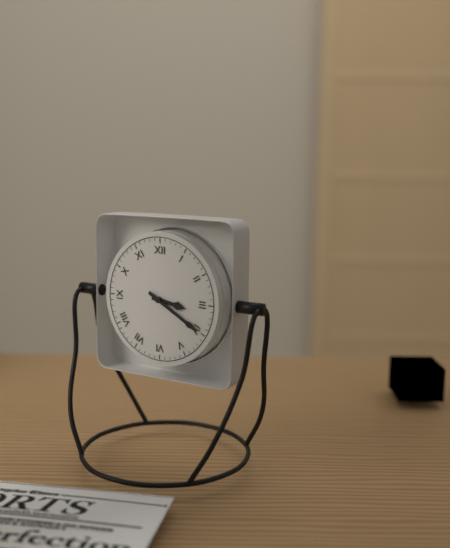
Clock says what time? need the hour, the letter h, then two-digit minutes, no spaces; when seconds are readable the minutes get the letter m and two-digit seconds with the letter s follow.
3h20
